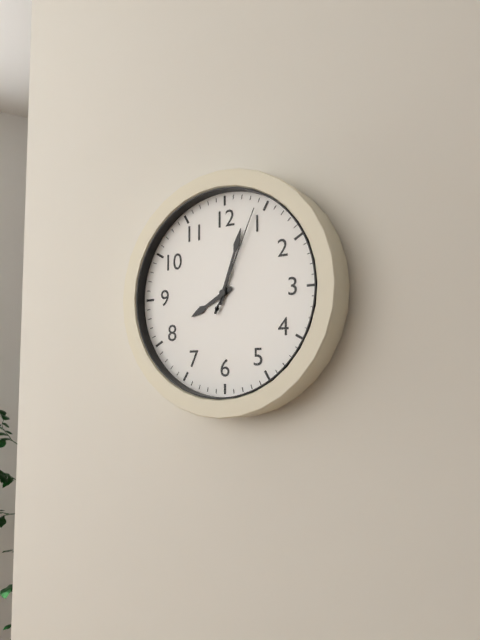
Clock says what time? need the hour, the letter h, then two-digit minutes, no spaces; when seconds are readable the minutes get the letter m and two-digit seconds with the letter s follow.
8h03m04s
